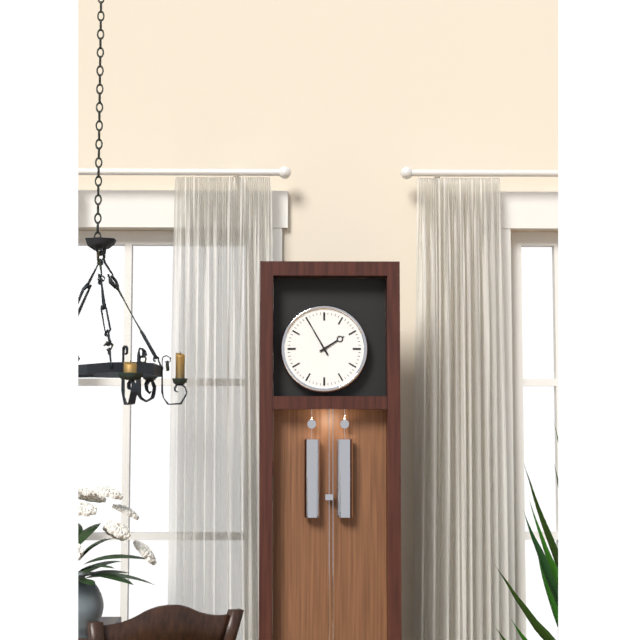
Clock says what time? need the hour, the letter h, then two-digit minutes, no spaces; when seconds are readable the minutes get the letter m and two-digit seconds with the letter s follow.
1h55
